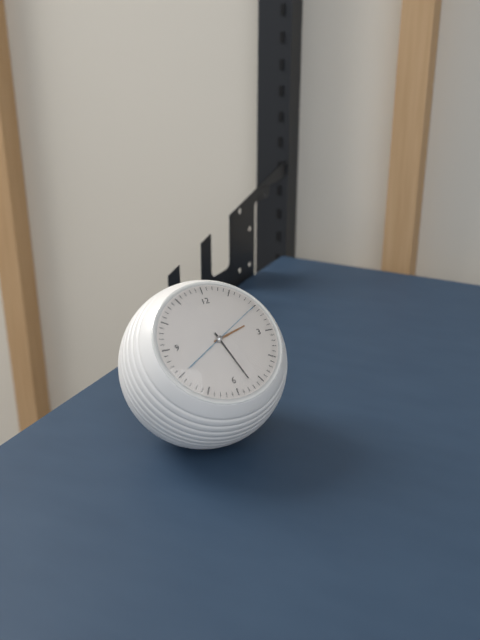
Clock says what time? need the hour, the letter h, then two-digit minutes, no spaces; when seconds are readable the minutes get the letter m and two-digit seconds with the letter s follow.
2h27m10s
